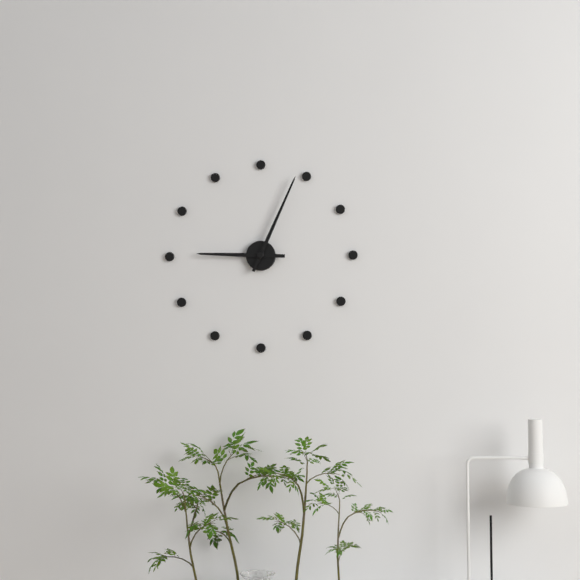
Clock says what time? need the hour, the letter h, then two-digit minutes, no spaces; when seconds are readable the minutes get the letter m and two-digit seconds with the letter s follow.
9h04
